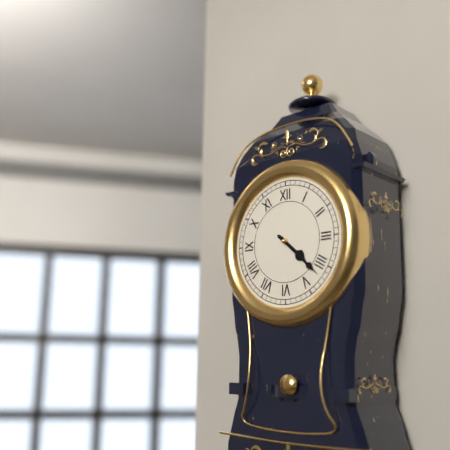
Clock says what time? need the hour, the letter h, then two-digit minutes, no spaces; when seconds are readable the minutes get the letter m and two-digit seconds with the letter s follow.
4h22
